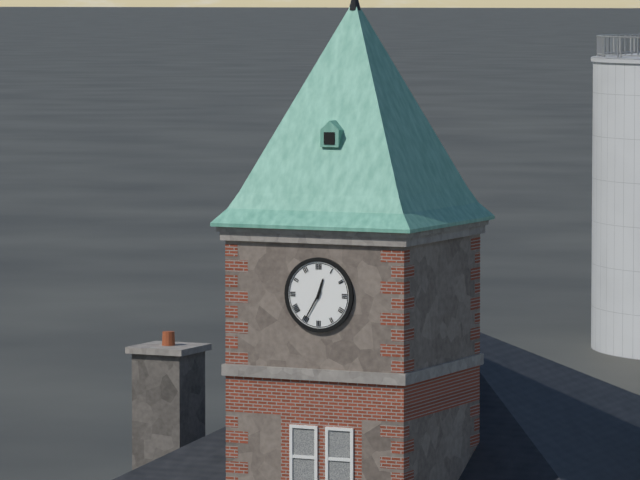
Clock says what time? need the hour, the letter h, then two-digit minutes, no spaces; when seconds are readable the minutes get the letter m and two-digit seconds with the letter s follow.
12h35
